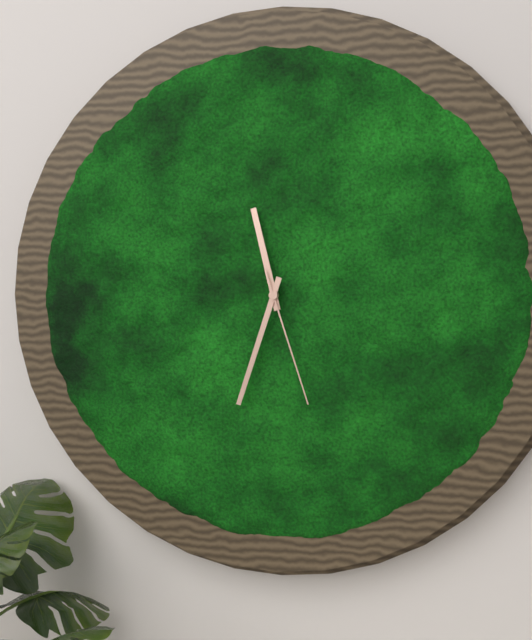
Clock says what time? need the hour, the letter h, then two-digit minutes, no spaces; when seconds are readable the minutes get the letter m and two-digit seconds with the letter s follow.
11h33m27s
